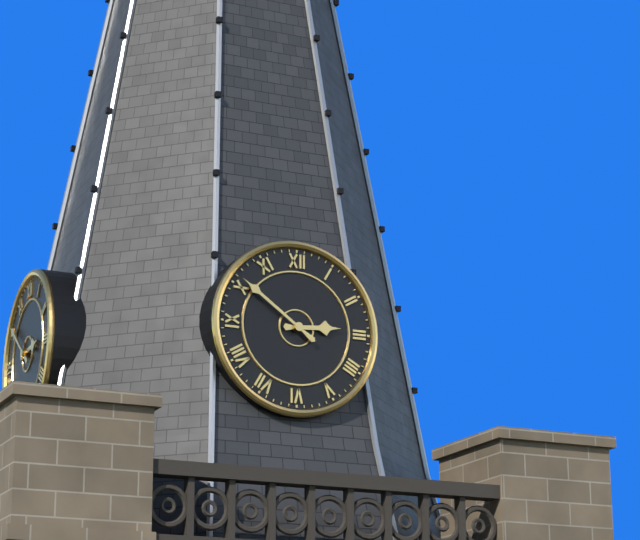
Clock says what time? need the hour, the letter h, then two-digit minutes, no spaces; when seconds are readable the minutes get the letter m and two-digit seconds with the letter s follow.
2h51
